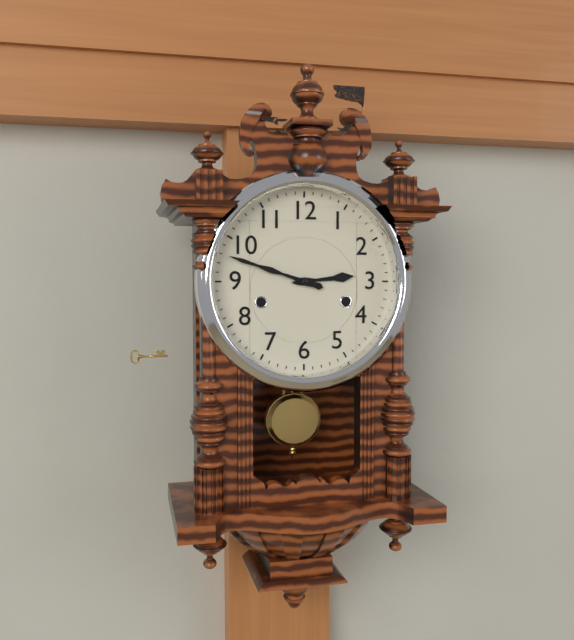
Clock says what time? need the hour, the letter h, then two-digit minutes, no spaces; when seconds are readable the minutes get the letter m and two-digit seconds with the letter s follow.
2h48
